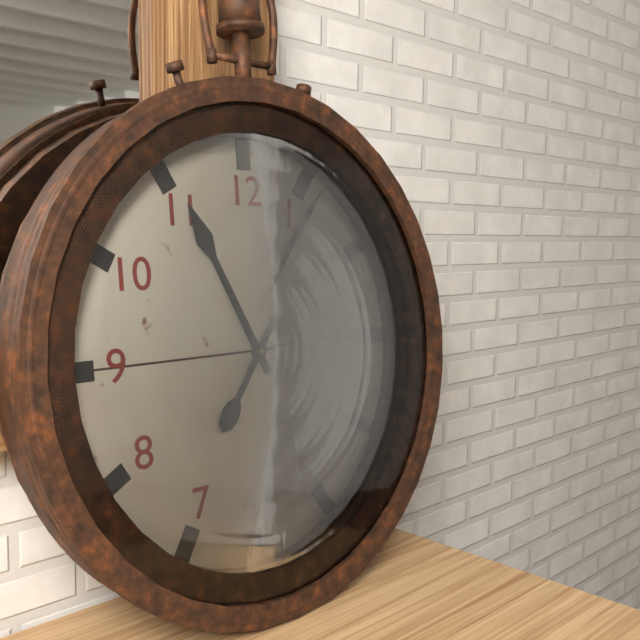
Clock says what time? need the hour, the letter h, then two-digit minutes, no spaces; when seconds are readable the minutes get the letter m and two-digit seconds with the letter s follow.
11h06
